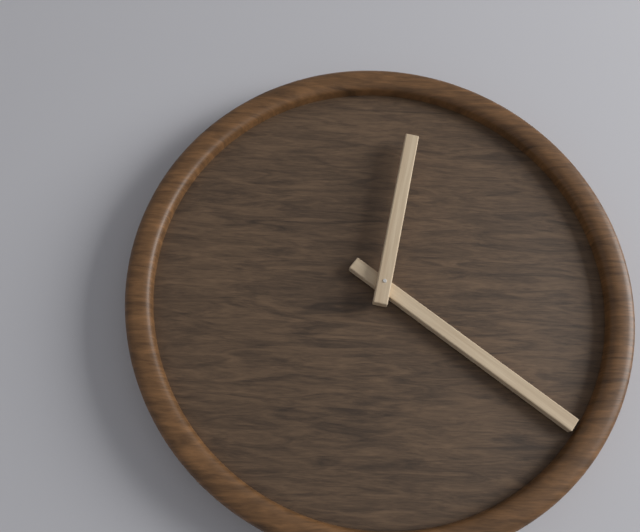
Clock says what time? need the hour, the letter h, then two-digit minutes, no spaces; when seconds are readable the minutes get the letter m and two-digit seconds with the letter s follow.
12h21
